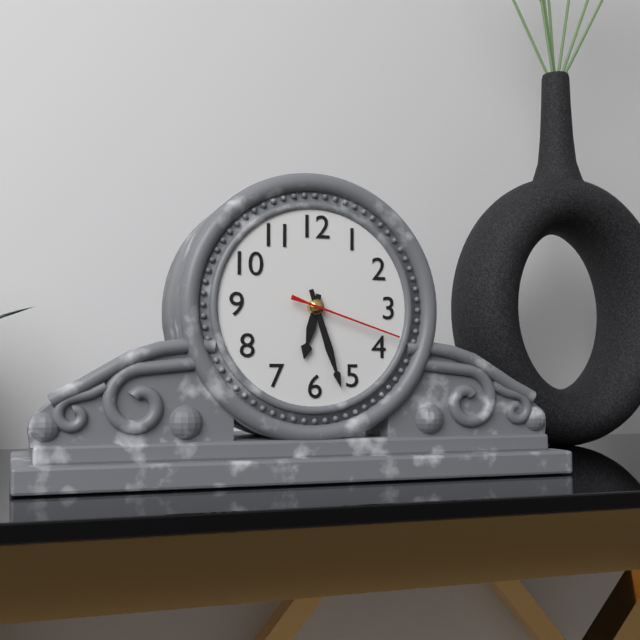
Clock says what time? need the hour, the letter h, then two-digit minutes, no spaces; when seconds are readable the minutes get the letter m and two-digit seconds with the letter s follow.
6h27m18s
